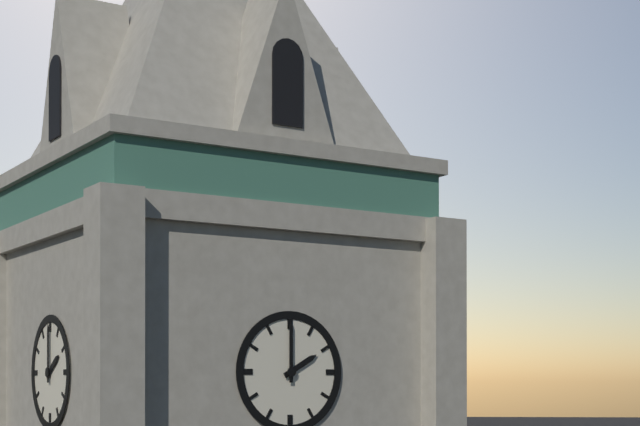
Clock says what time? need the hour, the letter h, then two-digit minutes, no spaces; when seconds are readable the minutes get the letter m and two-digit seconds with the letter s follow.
2h00
